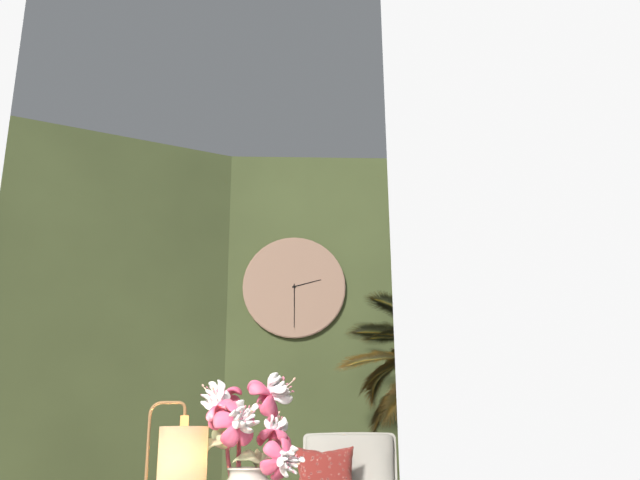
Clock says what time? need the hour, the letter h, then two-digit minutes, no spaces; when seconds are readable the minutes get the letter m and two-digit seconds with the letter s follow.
2h30
